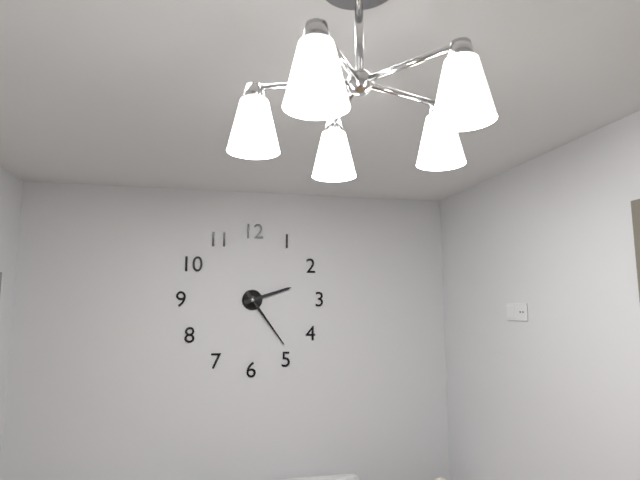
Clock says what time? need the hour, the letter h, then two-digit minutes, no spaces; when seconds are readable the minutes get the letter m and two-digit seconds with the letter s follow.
2h24
